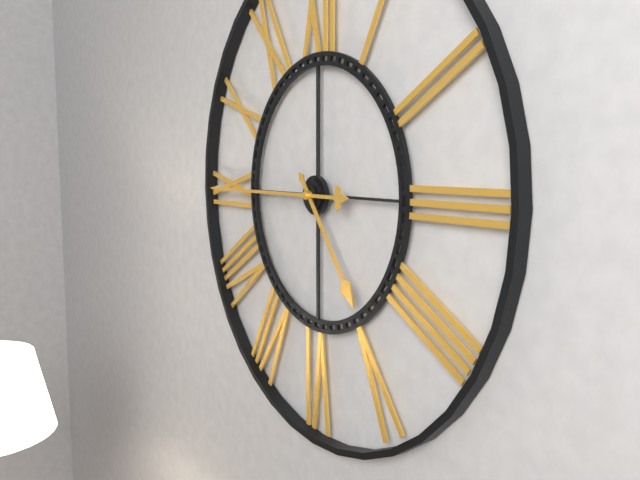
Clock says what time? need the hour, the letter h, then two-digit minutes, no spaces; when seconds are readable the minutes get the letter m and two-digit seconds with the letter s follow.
4h45
